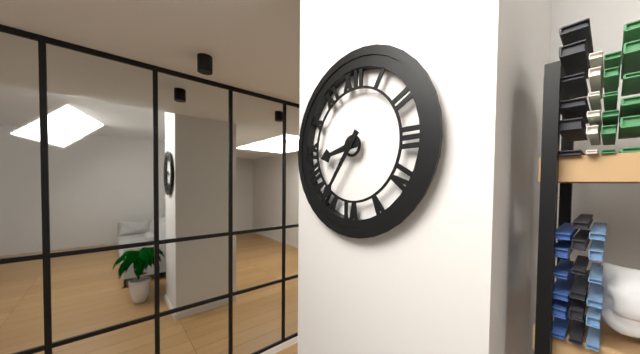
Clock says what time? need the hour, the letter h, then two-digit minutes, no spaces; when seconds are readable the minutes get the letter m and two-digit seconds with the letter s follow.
8h36
